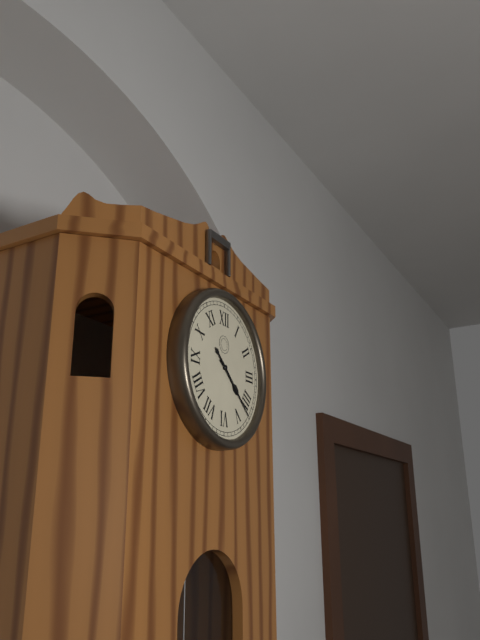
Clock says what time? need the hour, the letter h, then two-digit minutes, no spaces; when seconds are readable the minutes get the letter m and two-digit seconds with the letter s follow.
4h22
